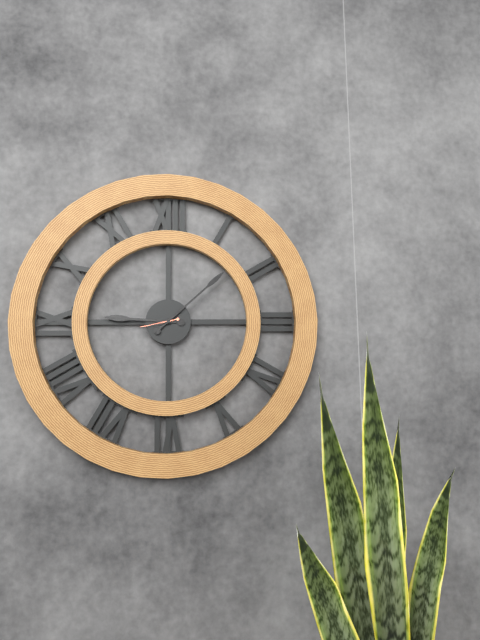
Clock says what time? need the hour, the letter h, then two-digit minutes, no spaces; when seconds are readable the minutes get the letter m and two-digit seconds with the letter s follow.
9h08
